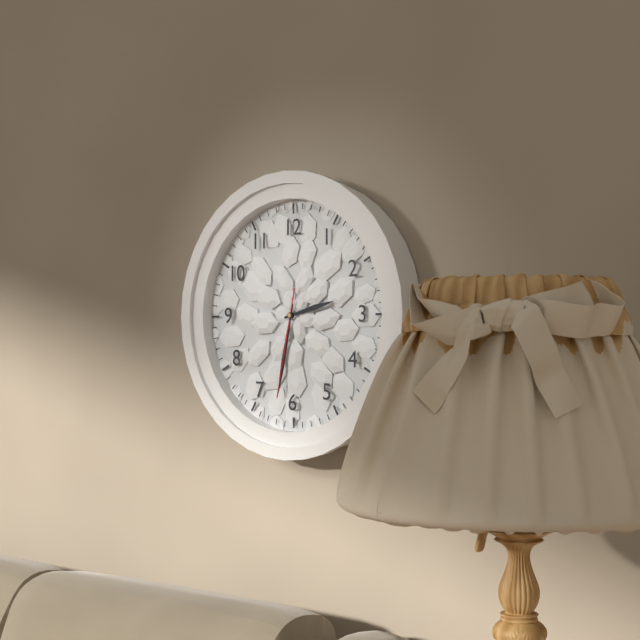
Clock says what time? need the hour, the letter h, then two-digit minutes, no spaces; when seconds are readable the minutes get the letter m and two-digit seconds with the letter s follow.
2h32m32s
